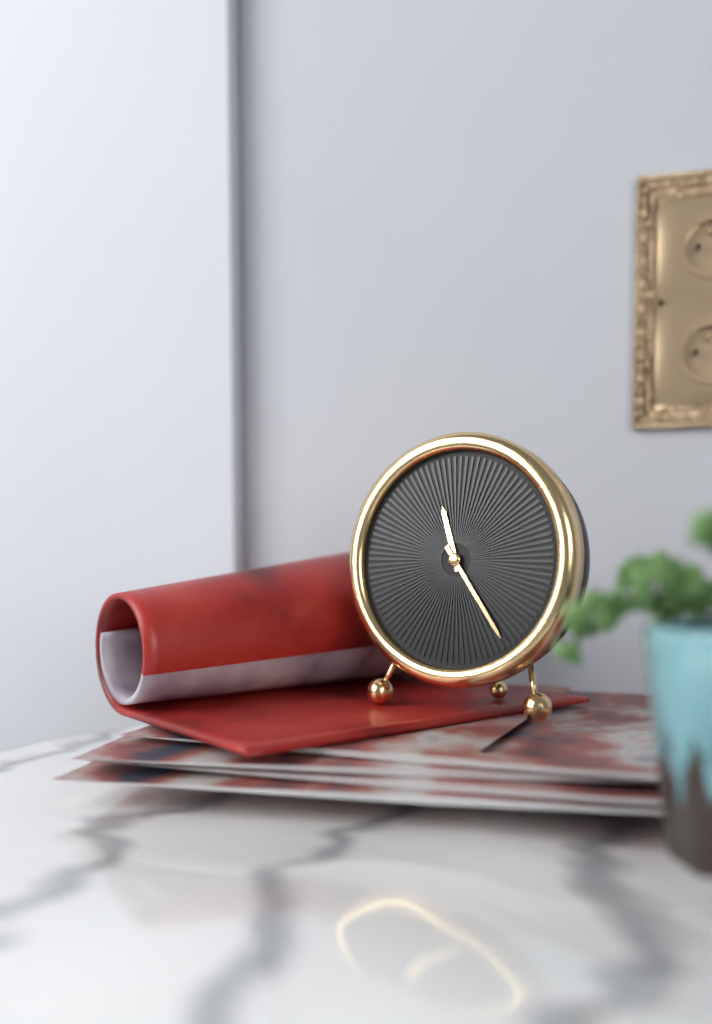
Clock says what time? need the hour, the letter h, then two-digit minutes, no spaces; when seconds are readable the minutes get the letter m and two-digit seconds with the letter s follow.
11h24
